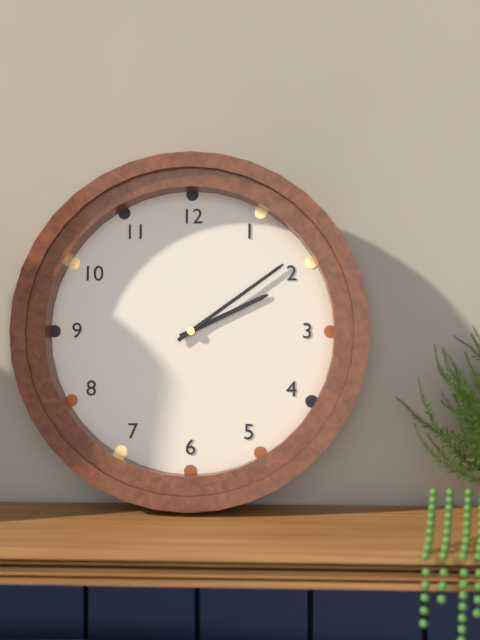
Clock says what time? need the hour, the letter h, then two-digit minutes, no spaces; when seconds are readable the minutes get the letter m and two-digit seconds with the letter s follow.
2h09
